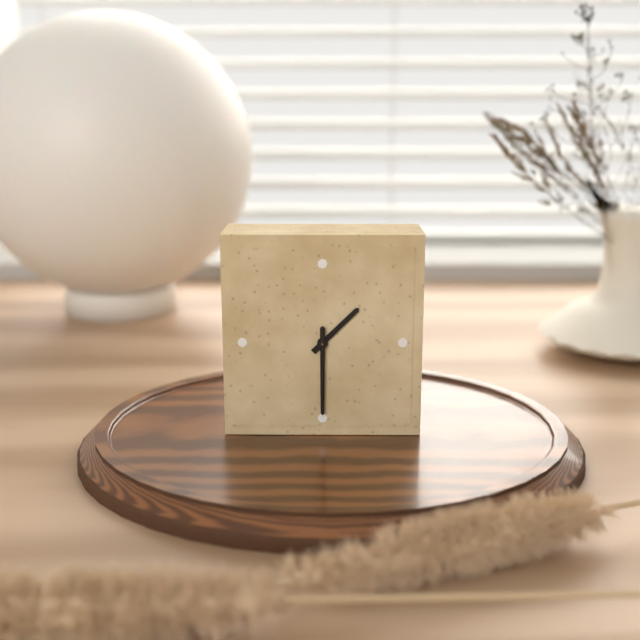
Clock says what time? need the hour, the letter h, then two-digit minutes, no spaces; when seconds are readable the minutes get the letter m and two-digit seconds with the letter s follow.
1h30m30s
